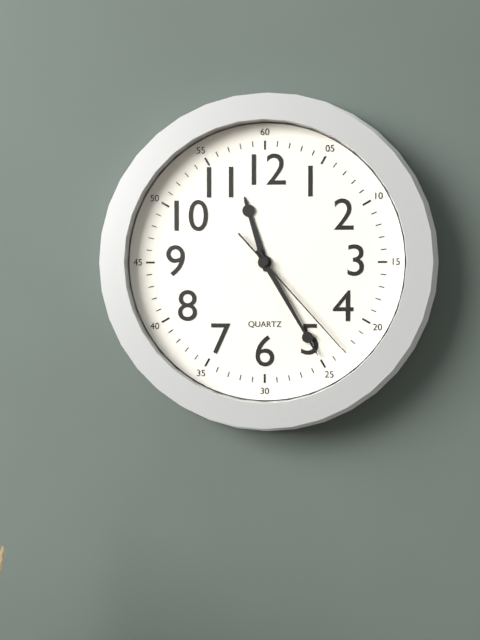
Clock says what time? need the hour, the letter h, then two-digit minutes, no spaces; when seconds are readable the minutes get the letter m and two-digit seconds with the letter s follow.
11h25m23s
